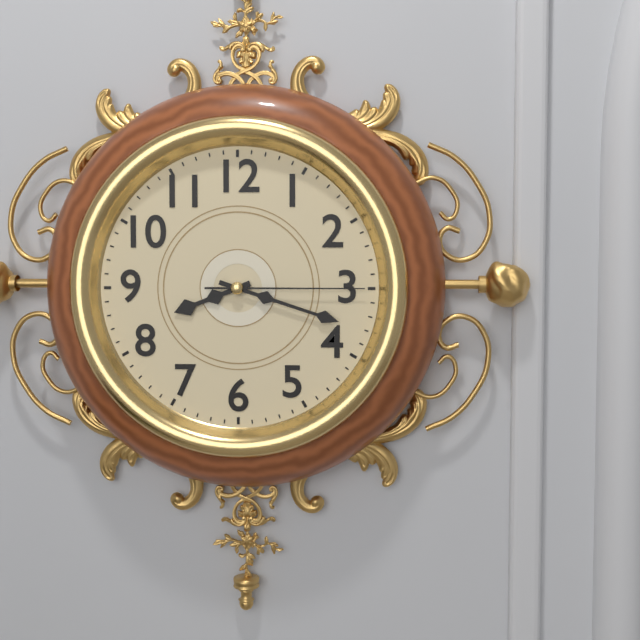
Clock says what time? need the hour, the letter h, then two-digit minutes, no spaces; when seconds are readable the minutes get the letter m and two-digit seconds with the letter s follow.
8h18m15s
